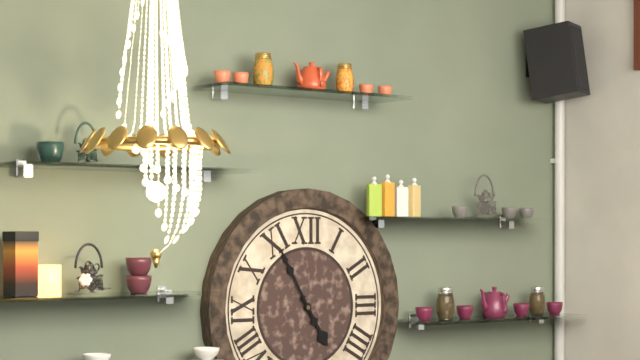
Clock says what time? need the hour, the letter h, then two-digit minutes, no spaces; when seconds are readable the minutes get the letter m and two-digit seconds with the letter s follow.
4h55
